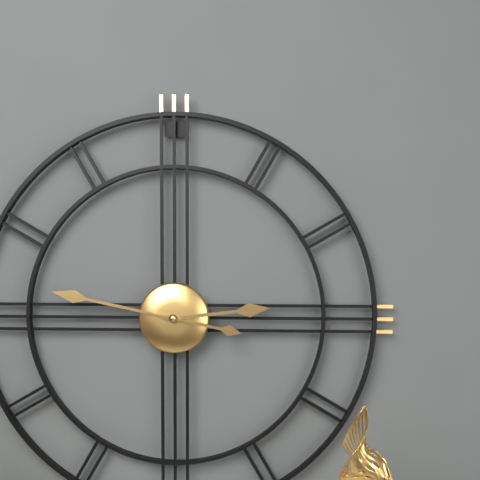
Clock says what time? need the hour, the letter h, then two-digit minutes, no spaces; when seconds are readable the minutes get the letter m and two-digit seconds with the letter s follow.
2h47
